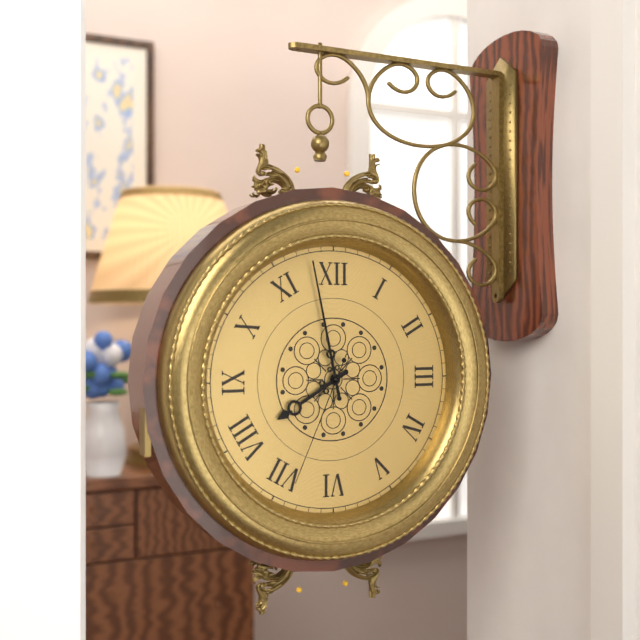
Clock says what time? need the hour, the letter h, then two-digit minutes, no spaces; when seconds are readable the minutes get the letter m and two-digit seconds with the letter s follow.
7h58m34s
